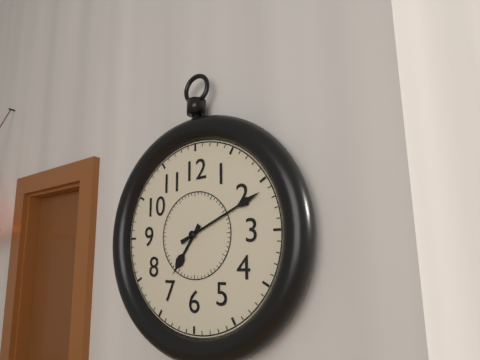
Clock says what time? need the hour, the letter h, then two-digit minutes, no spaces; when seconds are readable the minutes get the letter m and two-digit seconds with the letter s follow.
7h11
